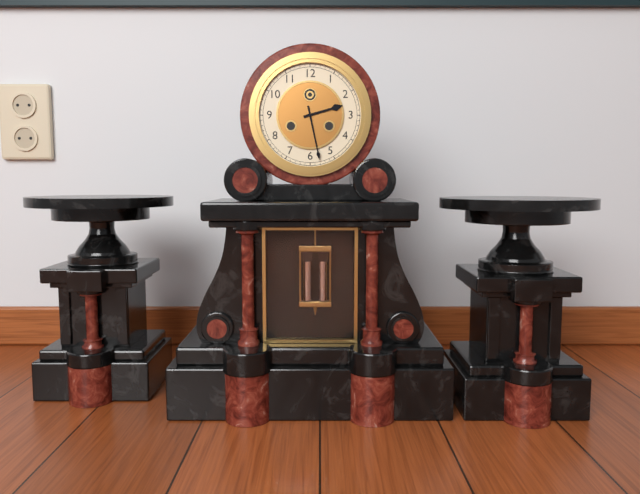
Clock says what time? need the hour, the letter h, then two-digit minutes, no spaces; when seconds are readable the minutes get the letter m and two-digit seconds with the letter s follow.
2h28
